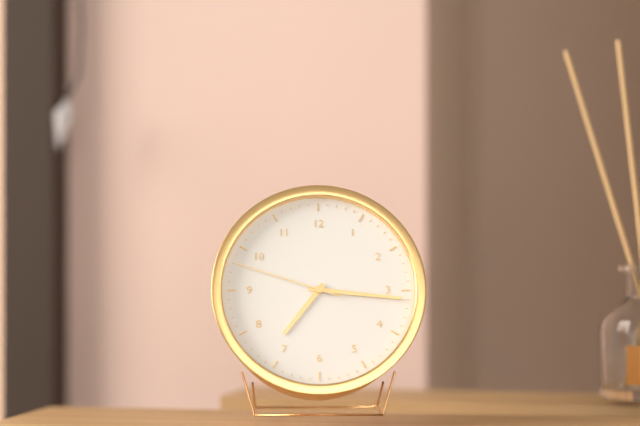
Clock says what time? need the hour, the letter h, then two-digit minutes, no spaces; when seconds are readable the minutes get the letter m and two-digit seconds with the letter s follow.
7h16m48s
